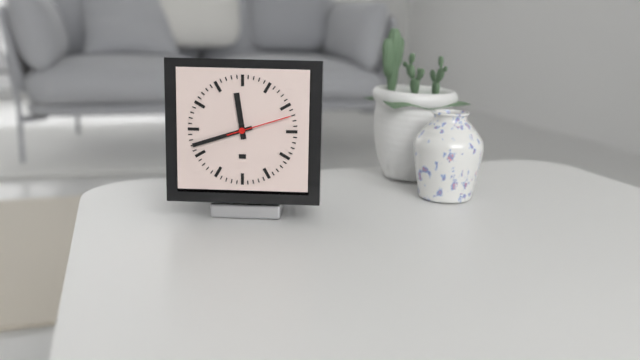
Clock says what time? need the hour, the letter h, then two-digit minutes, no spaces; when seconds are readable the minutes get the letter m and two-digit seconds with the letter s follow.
11h42m12s
